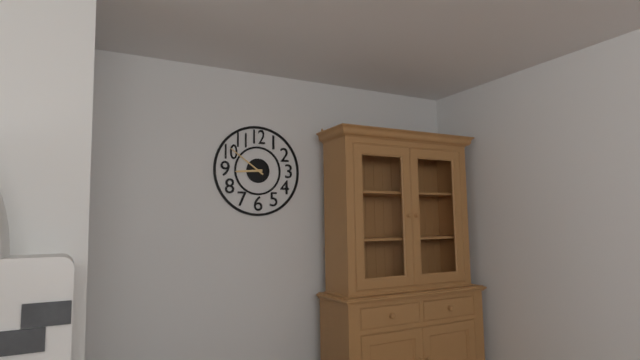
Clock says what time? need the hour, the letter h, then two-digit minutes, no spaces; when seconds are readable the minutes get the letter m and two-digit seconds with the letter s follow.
8h51
